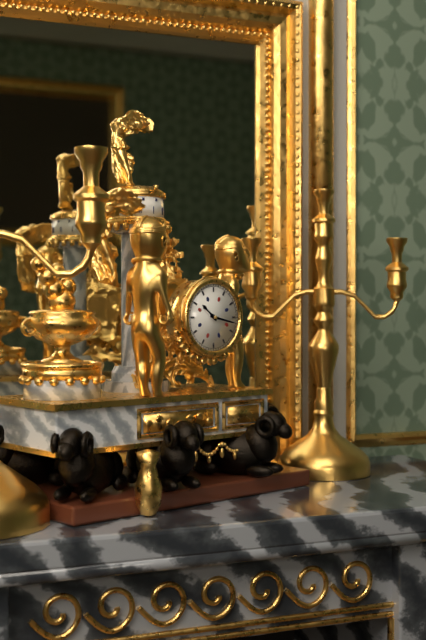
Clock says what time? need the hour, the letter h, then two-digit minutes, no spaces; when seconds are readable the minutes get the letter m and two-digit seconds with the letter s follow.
10h17
